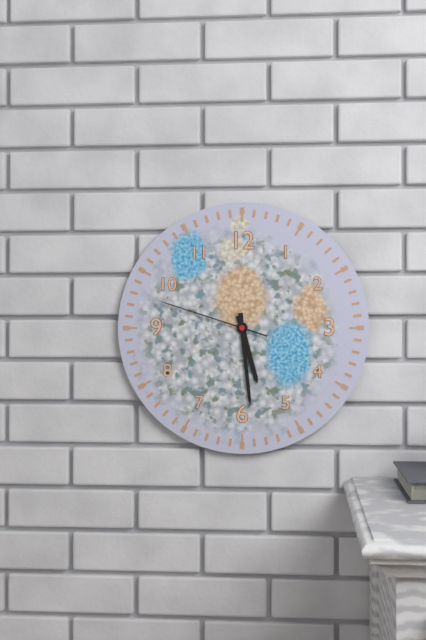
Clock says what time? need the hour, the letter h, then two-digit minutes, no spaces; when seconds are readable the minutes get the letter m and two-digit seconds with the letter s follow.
5h29m48s
